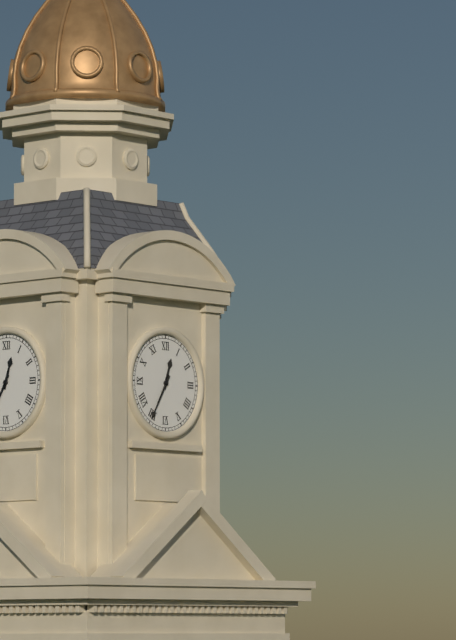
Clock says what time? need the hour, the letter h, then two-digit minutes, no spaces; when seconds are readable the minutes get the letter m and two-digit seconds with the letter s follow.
12h35
